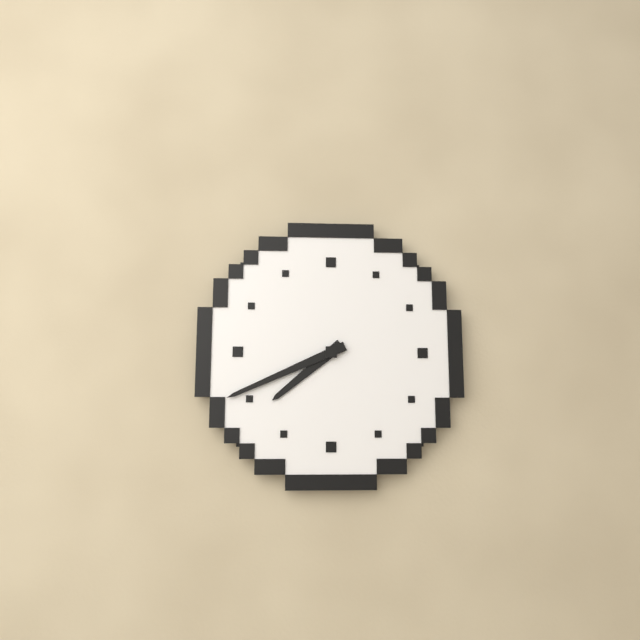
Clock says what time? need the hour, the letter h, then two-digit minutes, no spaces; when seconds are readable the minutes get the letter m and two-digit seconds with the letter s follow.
7h41
